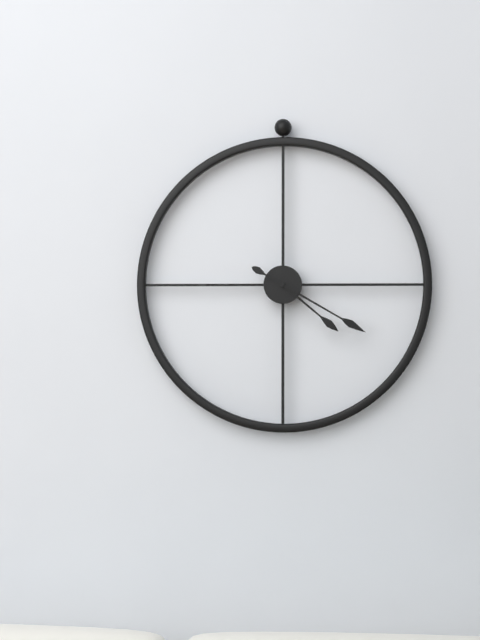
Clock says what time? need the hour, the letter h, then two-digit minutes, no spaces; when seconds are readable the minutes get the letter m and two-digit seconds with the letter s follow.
4h20
